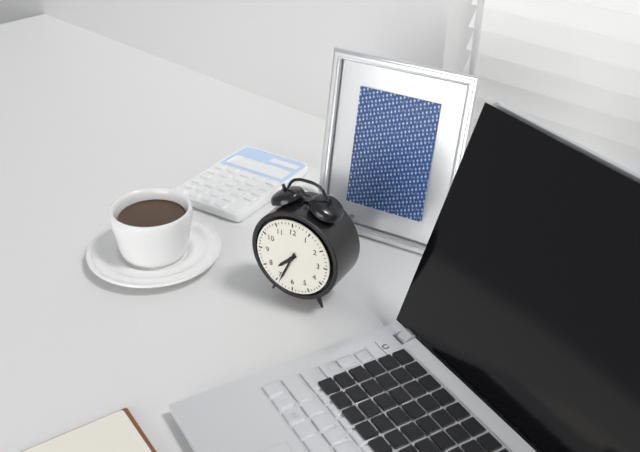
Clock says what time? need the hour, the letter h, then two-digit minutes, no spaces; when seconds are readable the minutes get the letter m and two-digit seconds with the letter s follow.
7h34
